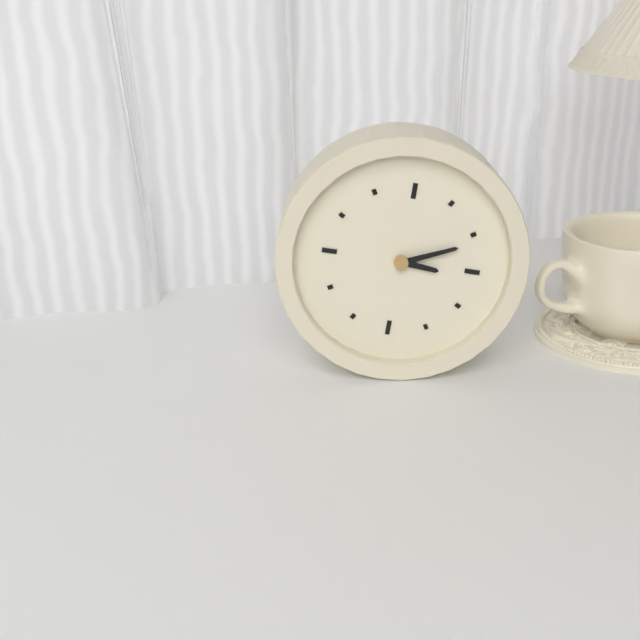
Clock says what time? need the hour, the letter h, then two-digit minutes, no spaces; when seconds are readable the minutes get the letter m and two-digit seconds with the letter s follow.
3h11
